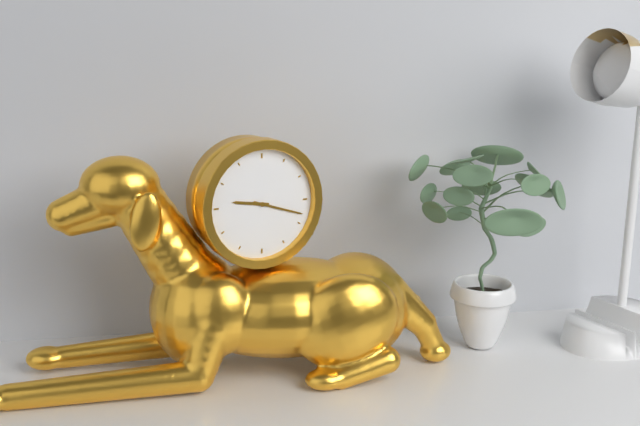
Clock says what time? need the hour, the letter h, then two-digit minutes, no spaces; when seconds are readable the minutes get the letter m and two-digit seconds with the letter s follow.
9h18
